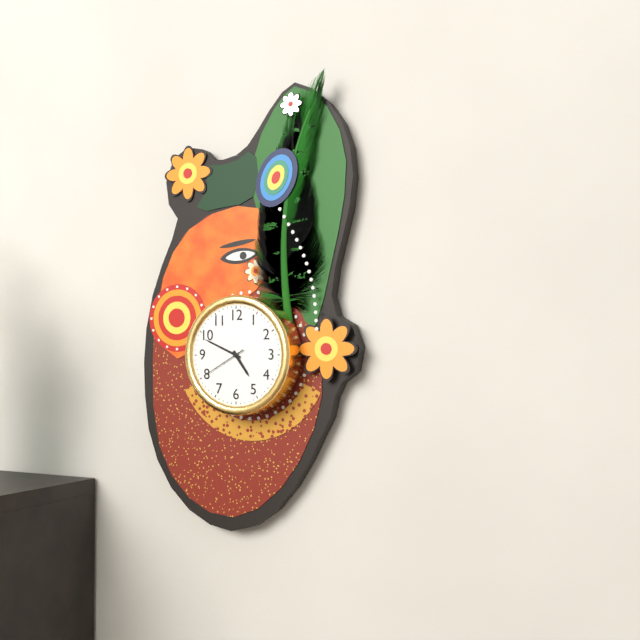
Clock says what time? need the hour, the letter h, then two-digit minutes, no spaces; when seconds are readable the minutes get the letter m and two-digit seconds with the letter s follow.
4h49
